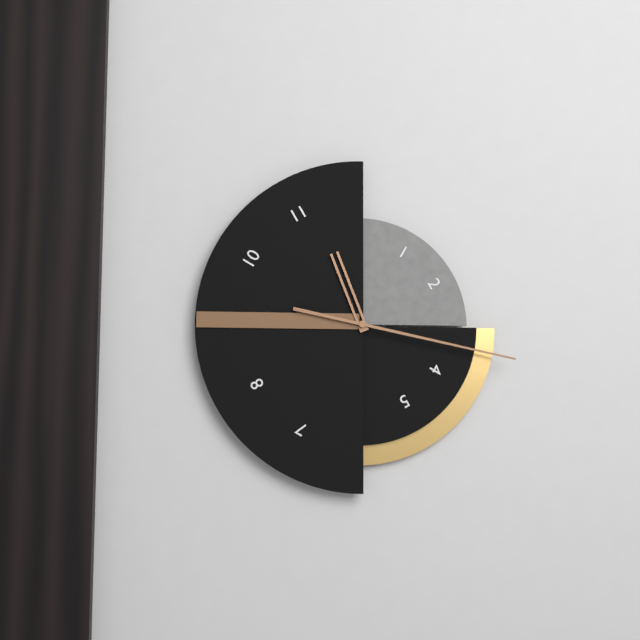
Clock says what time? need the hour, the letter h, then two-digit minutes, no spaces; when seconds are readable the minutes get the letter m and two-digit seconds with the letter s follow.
11h17
